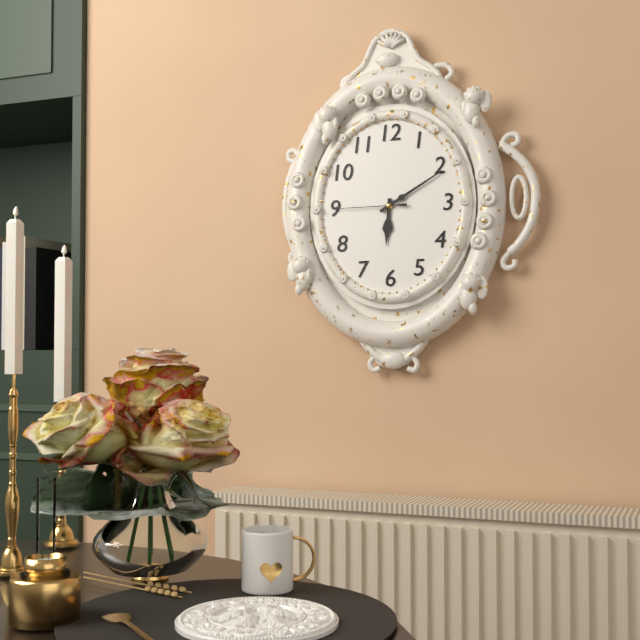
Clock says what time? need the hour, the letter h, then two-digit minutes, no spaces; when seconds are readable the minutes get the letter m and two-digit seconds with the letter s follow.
6h10m45s
